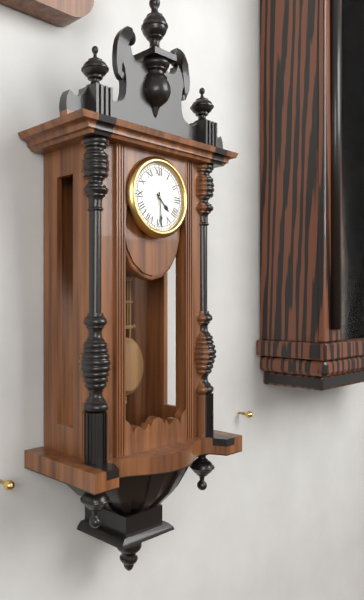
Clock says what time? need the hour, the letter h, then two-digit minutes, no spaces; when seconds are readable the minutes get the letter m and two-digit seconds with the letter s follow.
4h29
